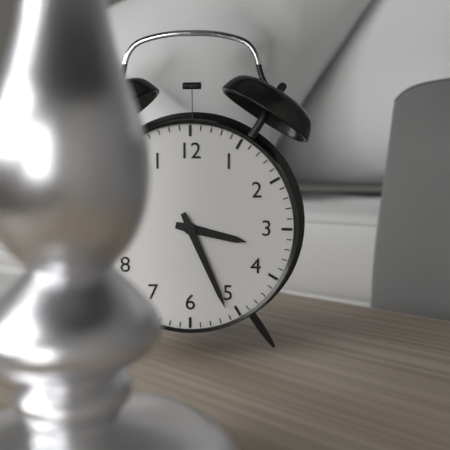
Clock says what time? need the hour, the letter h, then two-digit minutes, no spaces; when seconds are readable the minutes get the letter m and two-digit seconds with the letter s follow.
3h26
